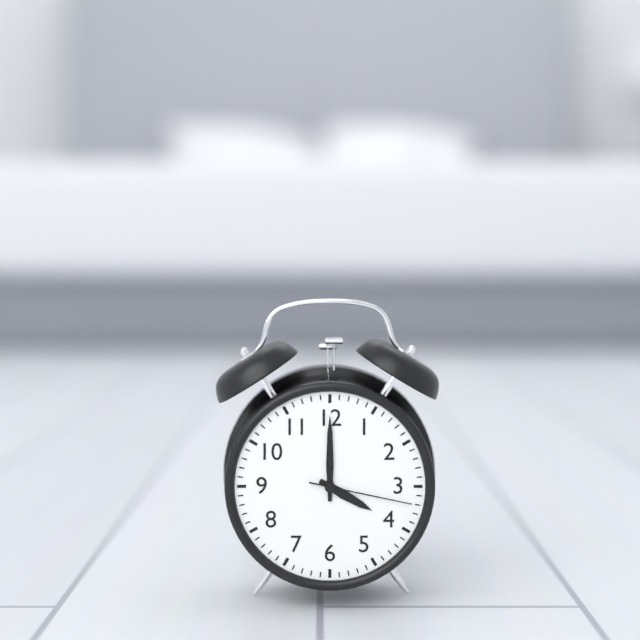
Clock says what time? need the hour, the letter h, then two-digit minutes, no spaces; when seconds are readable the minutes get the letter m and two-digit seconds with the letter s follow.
4h00m17s
